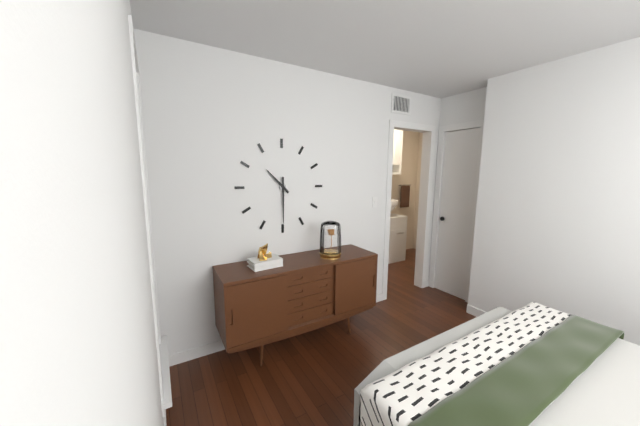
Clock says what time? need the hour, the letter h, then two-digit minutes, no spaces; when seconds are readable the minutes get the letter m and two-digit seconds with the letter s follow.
10h30
